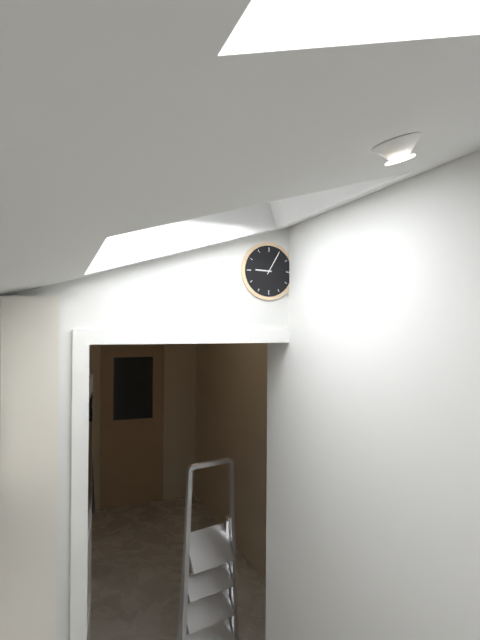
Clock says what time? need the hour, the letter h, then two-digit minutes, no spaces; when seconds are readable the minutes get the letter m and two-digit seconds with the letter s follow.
9h05
